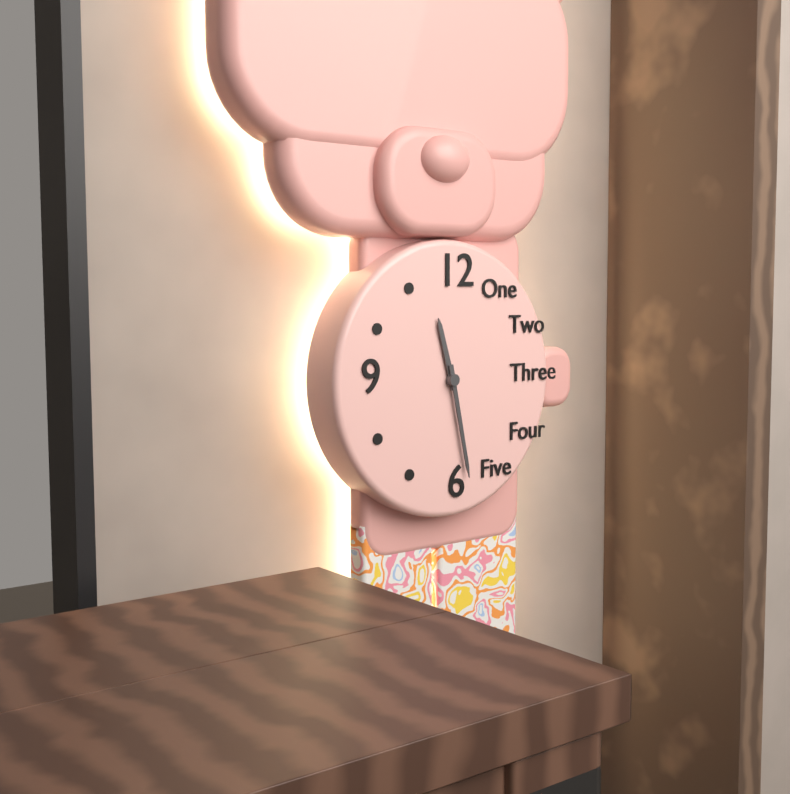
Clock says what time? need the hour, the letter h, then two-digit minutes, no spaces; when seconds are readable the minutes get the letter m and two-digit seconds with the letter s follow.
11h28
